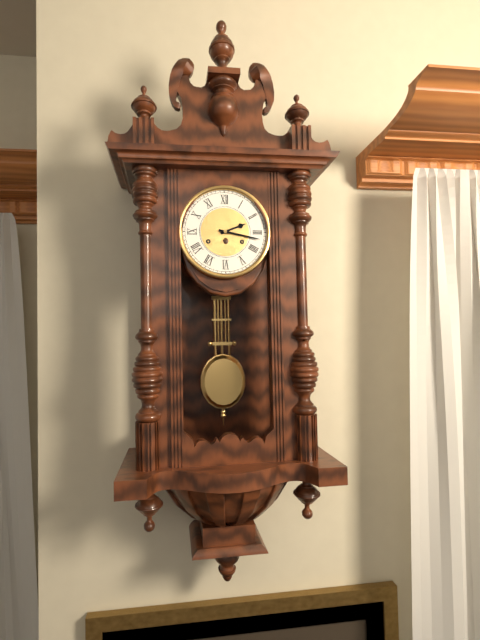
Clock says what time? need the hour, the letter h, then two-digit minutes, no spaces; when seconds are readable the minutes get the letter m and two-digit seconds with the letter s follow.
2h17
